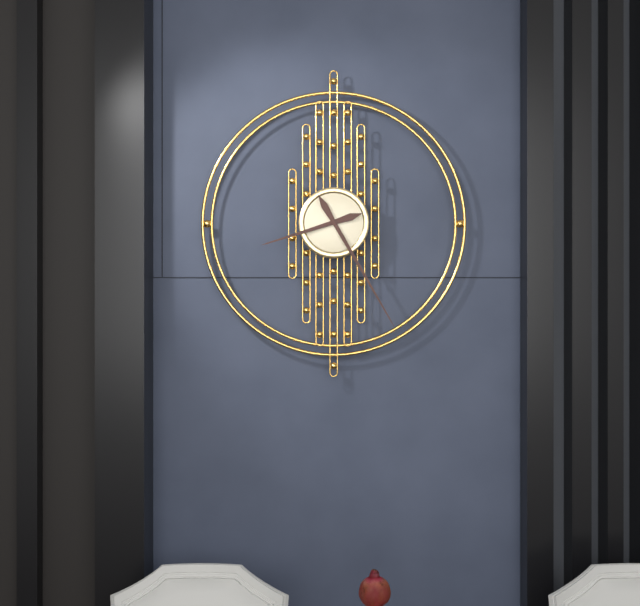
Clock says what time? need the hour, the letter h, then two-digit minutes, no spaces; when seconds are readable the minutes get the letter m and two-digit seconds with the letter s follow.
8h25
